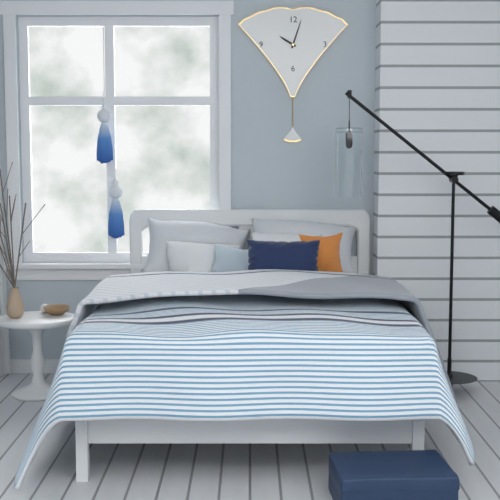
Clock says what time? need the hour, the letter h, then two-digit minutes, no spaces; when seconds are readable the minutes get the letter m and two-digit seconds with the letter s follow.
10h03
